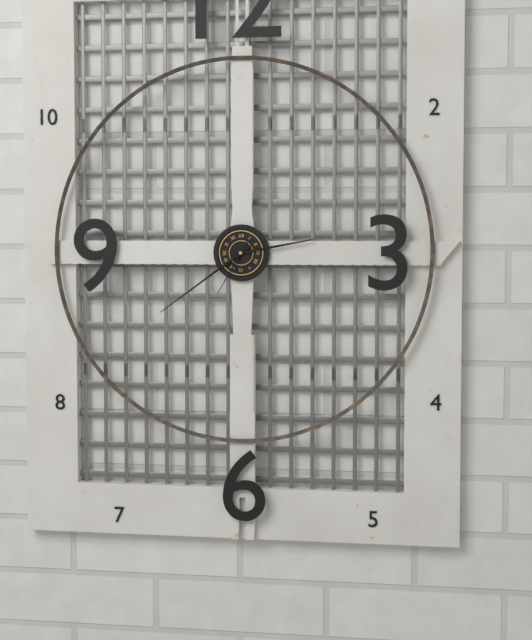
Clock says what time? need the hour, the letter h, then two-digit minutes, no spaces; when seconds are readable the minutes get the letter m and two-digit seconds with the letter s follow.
2h39m35s
